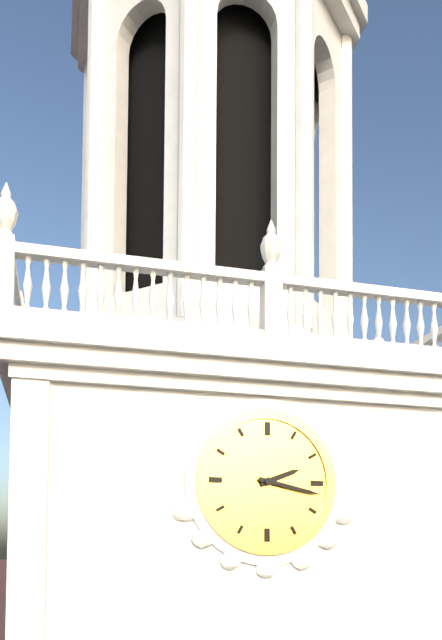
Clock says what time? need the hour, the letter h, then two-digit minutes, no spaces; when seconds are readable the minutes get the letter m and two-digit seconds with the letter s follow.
2h17
